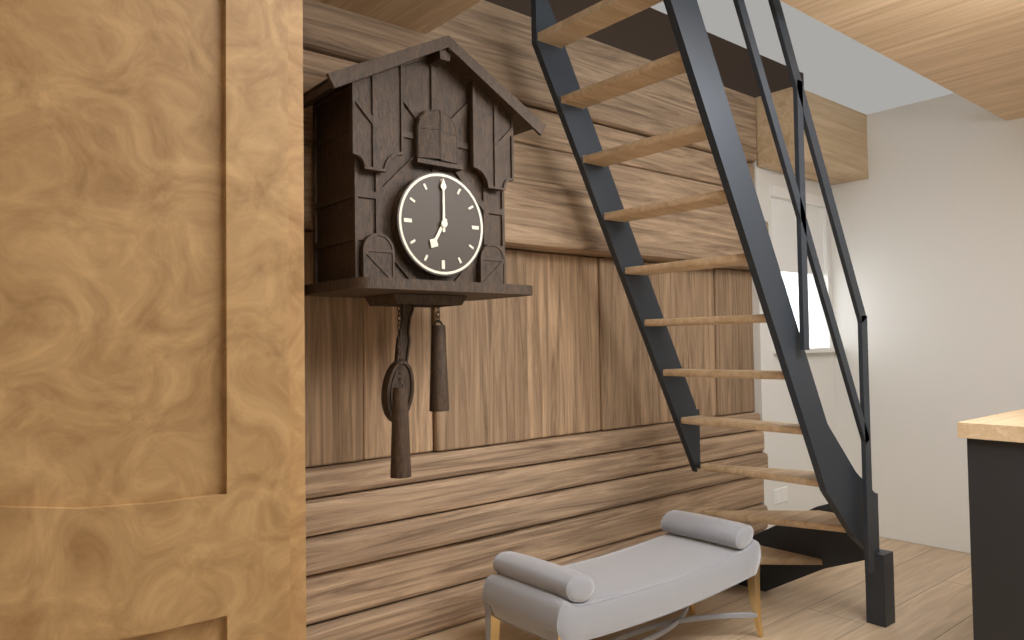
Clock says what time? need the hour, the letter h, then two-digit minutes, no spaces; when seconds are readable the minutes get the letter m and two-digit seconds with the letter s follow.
7h00
